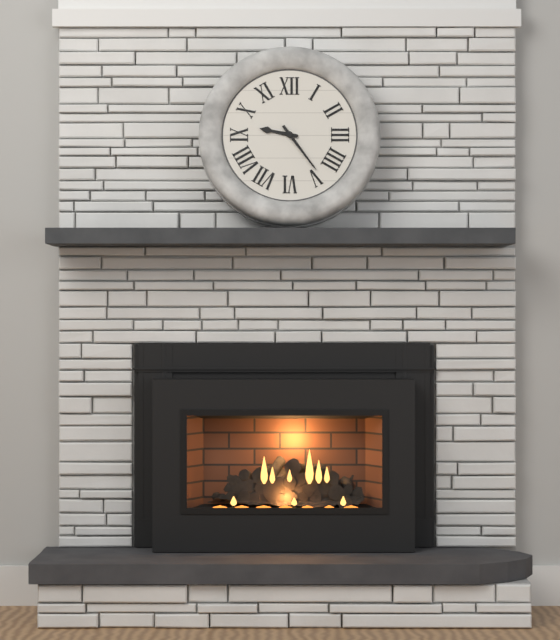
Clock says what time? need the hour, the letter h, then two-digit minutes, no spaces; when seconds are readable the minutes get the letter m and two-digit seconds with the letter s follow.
9h24
